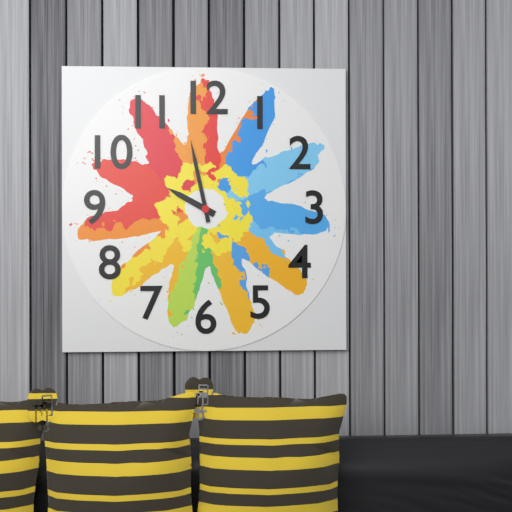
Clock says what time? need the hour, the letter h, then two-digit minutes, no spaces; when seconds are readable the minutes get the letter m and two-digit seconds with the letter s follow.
9h58
